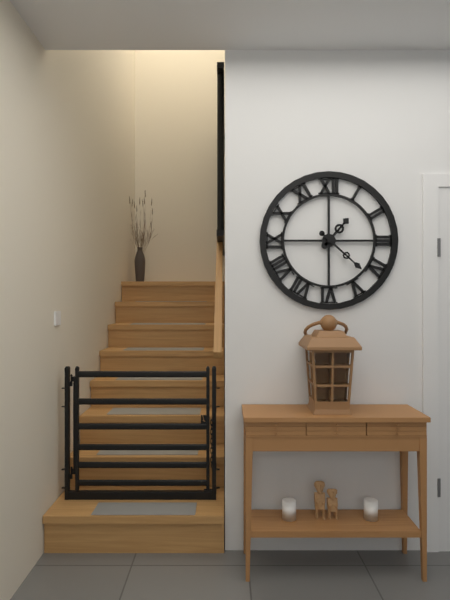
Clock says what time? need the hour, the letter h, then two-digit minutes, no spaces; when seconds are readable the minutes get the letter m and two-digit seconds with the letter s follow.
1h22
